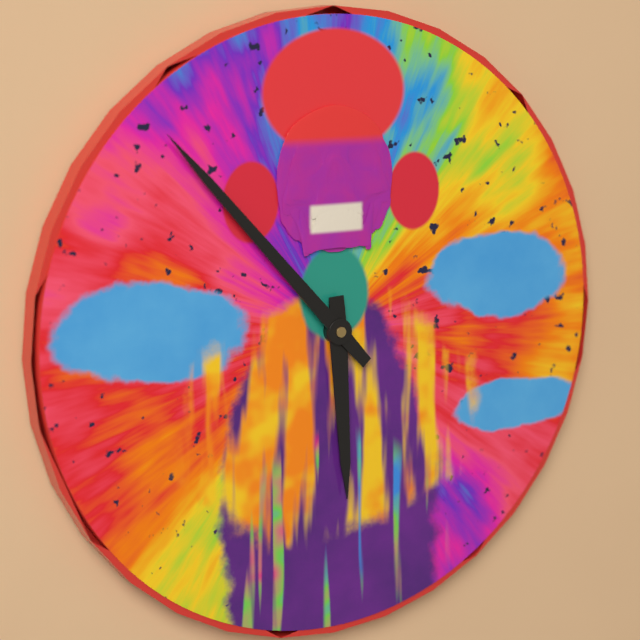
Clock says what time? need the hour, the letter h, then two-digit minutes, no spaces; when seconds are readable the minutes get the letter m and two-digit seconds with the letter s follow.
5h53
